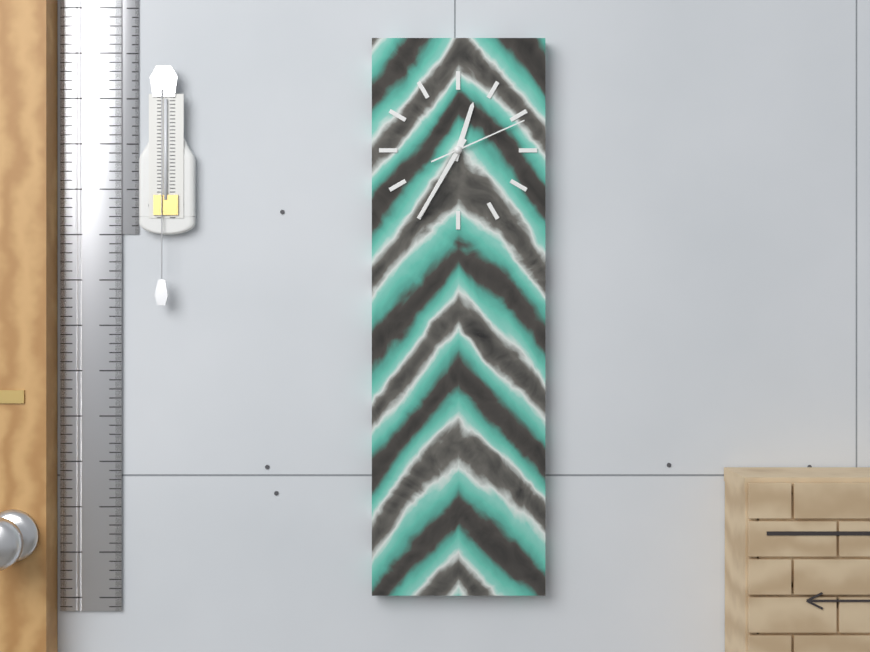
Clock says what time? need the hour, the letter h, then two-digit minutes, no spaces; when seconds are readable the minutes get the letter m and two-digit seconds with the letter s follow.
12h35m11s
